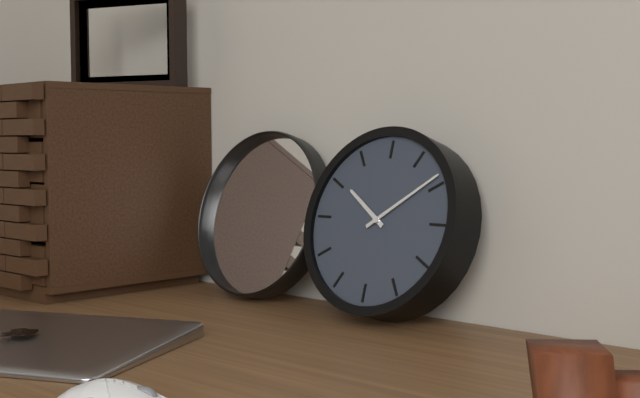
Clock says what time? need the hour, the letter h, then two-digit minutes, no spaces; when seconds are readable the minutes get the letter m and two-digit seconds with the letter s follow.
10h09
